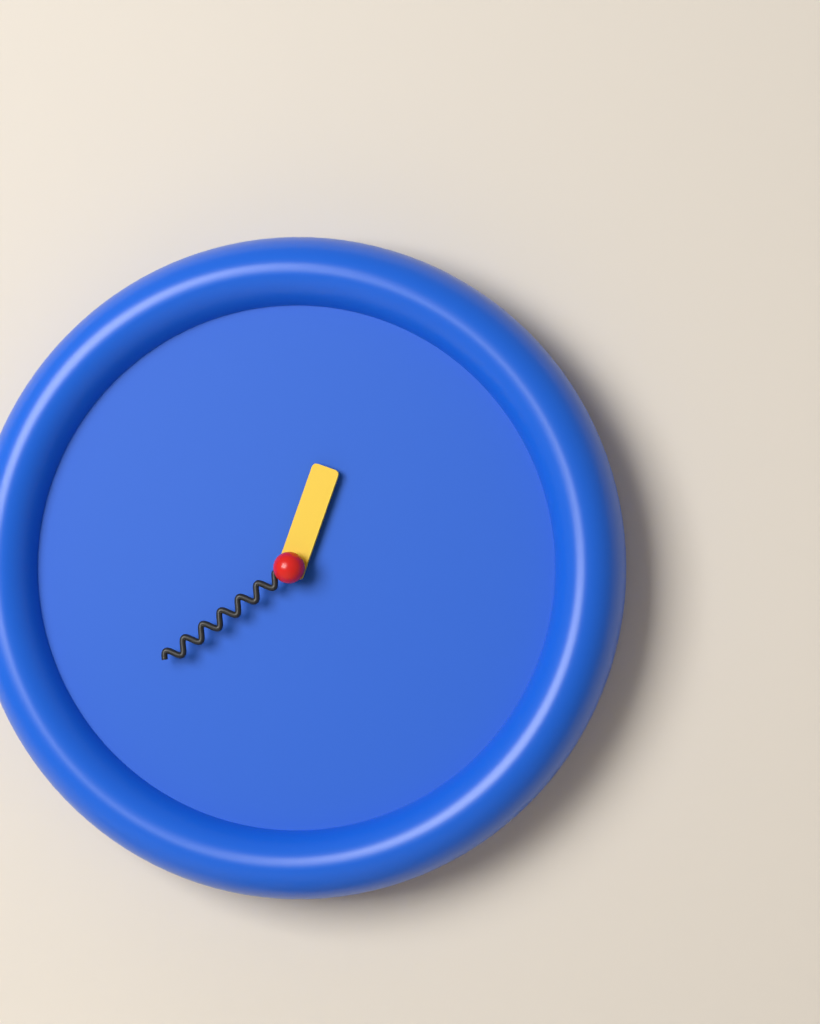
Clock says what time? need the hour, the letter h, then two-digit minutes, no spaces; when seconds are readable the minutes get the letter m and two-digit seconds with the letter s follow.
12h39
